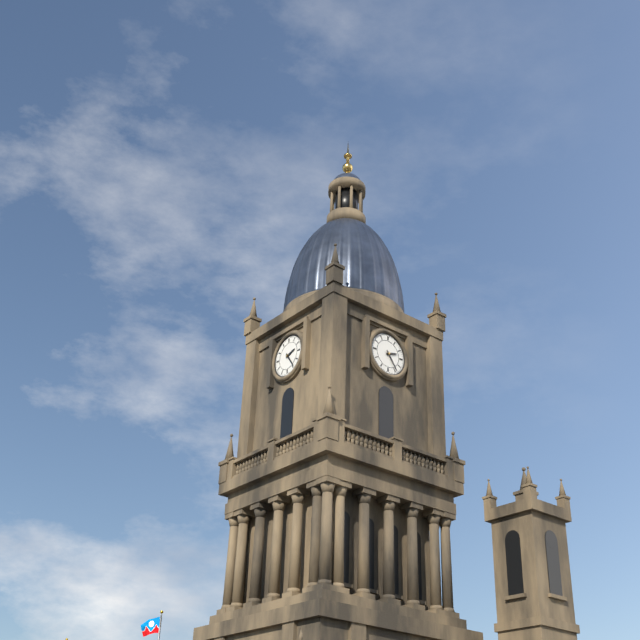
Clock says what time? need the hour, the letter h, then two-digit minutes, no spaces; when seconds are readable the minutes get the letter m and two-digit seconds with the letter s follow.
2h24
